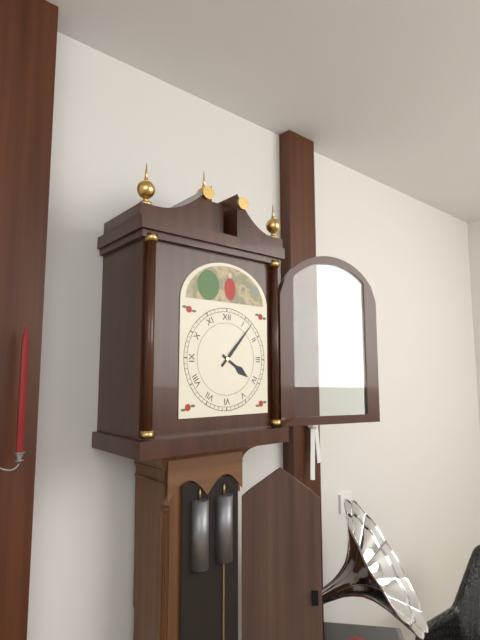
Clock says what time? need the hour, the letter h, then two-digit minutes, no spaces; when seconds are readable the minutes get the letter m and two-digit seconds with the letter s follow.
4h07
